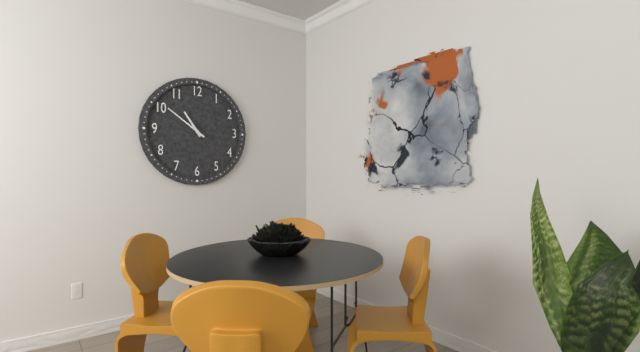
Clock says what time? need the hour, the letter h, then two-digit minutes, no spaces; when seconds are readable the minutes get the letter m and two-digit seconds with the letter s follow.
10h51
